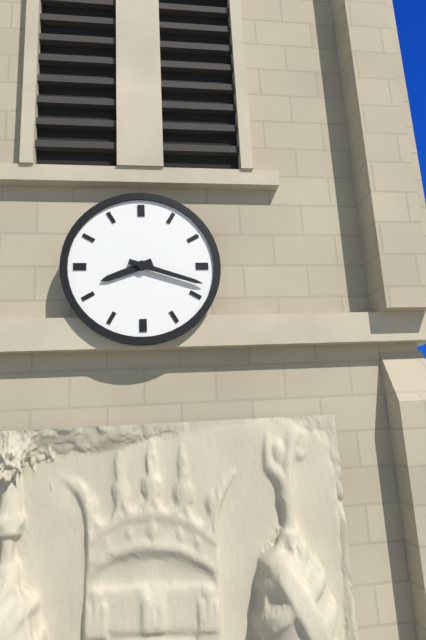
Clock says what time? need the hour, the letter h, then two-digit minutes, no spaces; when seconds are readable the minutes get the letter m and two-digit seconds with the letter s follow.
8h18
